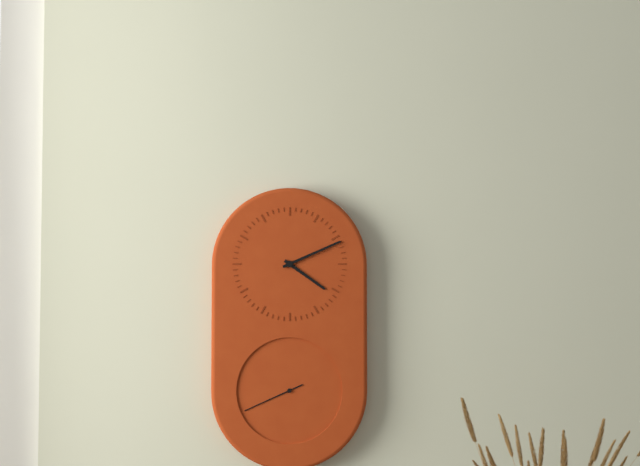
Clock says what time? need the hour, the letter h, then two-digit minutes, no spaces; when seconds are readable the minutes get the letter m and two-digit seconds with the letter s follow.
4h11m41s
